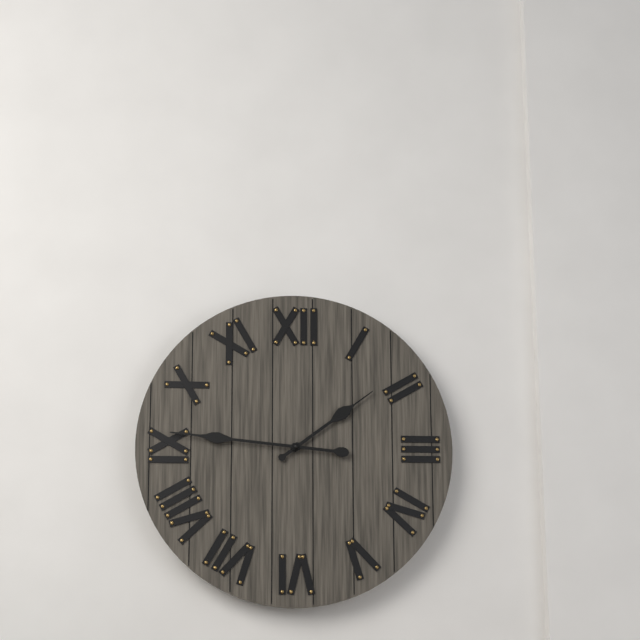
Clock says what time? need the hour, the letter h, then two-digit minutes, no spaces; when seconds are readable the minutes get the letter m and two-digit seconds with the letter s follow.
1h46
